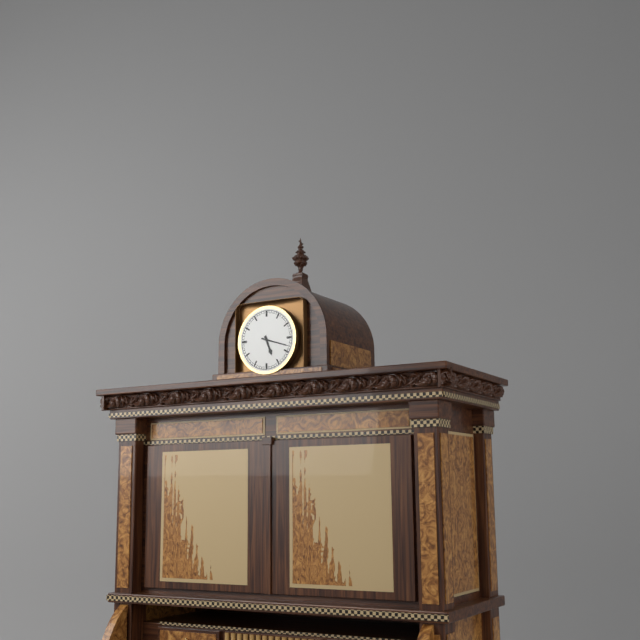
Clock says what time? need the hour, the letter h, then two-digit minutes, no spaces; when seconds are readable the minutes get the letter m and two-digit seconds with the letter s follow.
5h18
